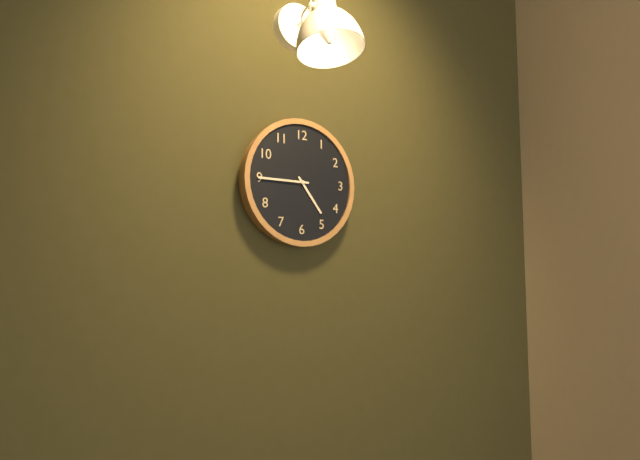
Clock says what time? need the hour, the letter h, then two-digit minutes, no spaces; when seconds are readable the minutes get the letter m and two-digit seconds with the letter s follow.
4h45
